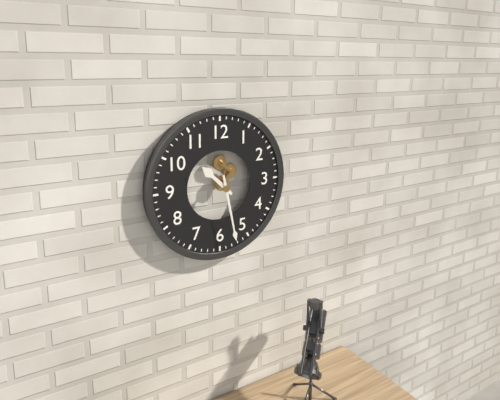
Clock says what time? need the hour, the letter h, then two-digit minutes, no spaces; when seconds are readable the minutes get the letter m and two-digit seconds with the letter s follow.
10h28
